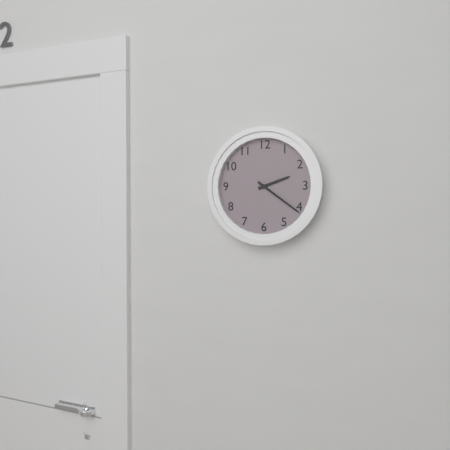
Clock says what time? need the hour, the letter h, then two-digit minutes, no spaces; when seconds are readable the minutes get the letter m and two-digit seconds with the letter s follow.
2h21
